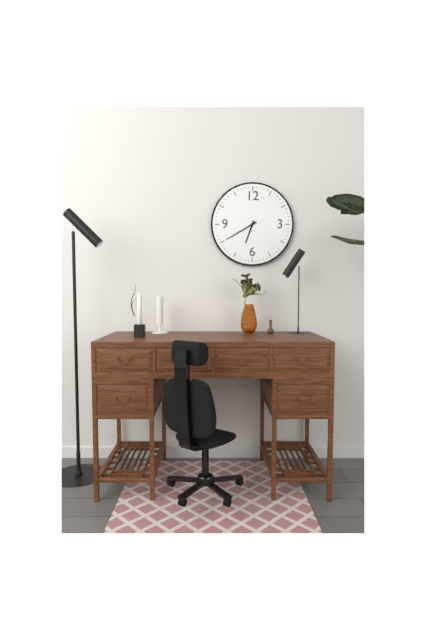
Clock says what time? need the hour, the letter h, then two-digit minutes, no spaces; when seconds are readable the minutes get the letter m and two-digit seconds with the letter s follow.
6h40
